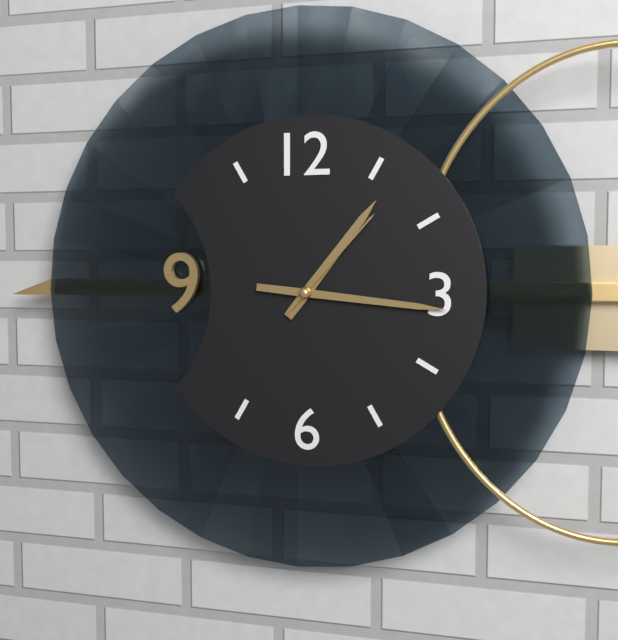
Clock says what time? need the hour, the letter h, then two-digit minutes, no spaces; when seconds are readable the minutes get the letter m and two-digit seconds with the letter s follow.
1h16m07s
